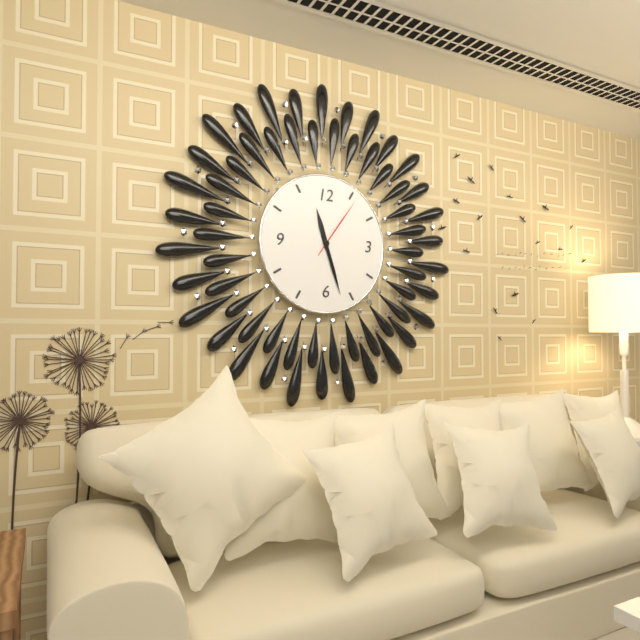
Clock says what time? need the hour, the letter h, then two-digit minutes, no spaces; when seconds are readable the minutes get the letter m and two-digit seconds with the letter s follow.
11h27m06s
